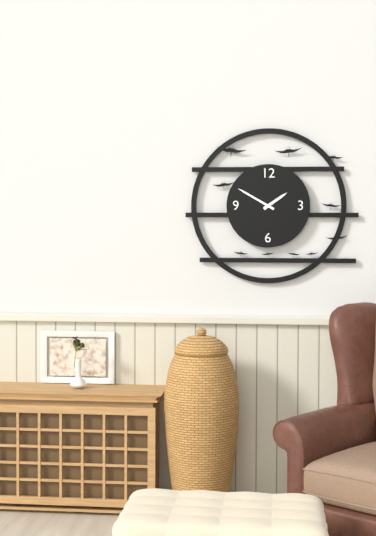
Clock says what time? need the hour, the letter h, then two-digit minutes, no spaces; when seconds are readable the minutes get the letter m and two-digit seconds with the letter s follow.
1h50
